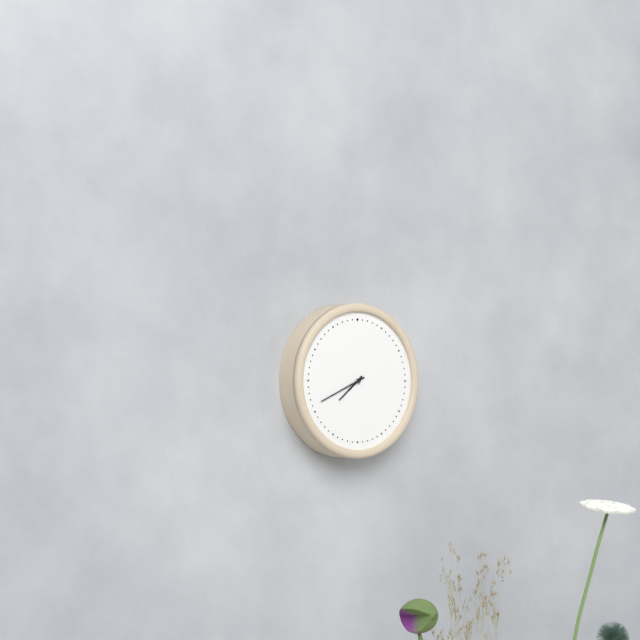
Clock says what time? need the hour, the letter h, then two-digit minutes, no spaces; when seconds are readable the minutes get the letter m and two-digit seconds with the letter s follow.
7h41
